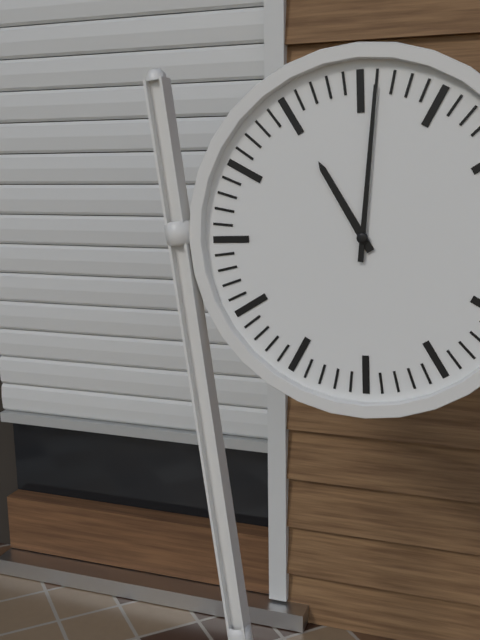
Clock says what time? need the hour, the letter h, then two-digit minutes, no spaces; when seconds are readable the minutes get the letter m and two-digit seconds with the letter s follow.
11h01
